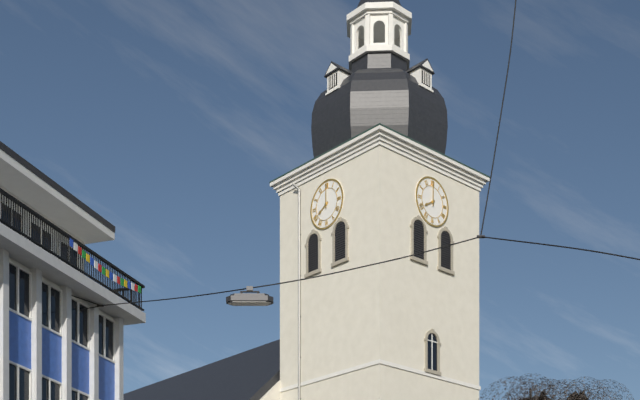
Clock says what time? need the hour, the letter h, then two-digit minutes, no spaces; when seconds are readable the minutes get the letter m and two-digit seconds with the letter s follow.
8h00
